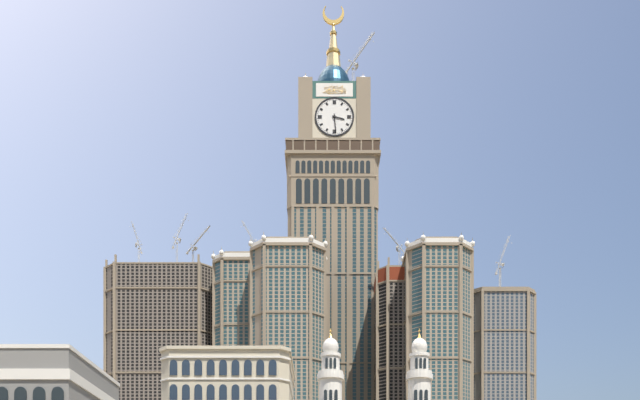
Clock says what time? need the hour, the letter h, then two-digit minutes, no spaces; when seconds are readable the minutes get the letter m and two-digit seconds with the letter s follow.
3h29
